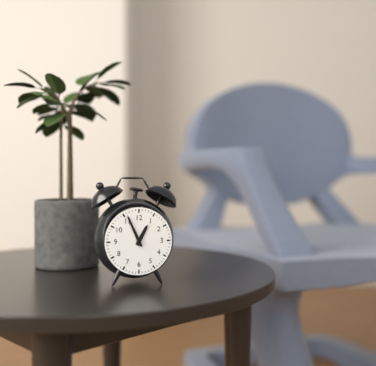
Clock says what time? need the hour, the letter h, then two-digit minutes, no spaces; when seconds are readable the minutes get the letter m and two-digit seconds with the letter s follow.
12h56
